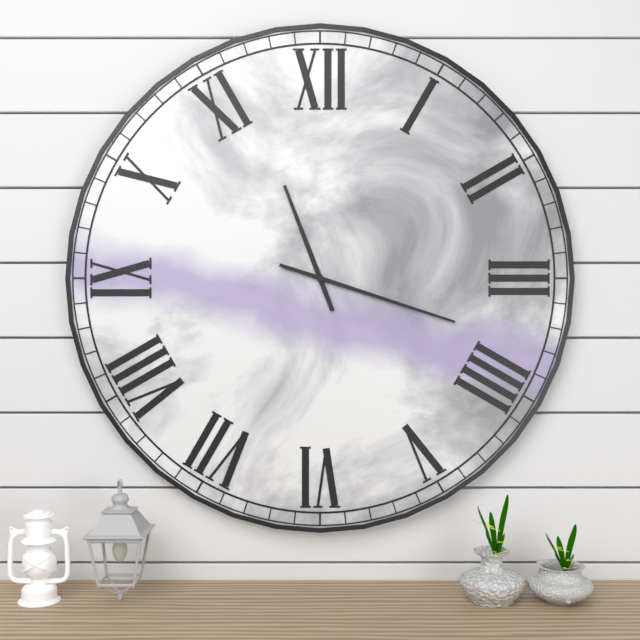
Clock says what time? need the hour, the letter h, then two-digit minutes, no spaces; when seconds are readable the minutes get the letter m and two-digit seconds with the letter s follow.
11h18
